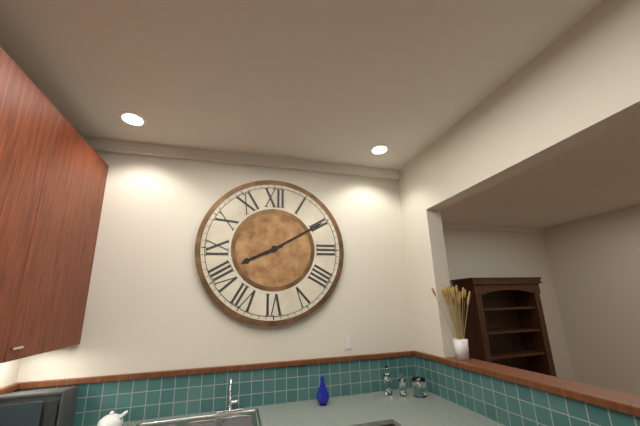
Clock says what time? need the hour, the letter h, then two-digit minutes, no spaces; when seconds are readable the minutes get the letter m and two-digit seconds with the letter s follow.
8h10
